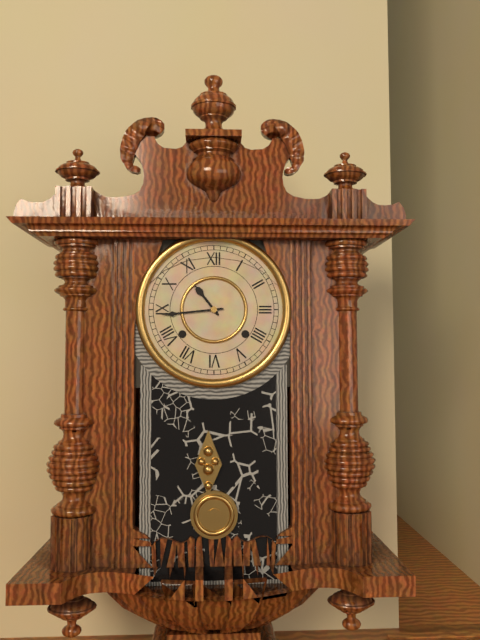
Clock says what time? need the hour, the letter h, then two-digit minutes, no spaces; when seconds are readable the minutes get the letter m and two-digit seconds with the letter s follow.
10h44
